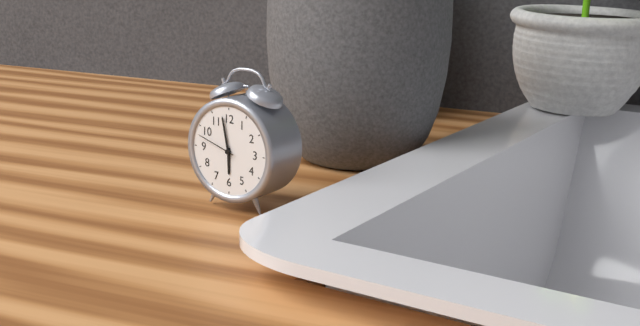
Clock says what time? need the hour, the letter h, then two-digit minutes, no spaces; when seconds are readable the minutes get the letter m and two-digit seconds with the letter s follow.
5h58
